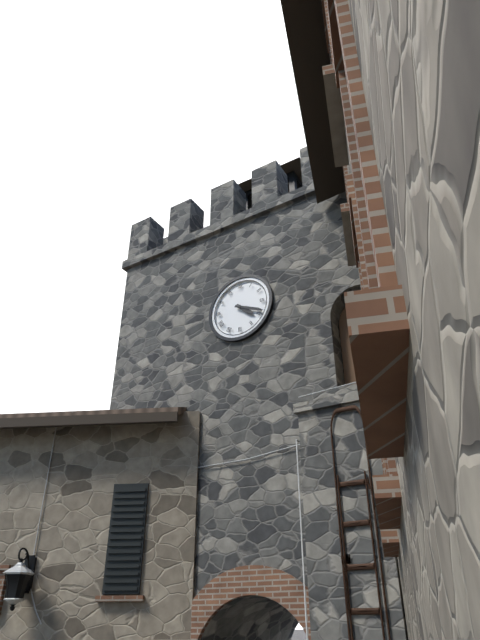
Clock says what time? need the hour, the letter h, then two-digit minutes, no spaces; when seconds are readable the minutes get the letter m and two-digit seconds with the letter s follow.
4h19
